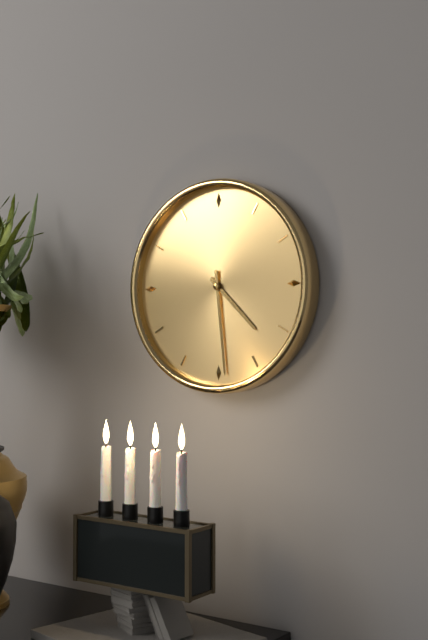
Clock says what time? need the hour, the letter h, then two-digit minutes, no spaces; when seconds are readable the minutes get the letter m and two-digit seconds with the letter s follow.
4h29
